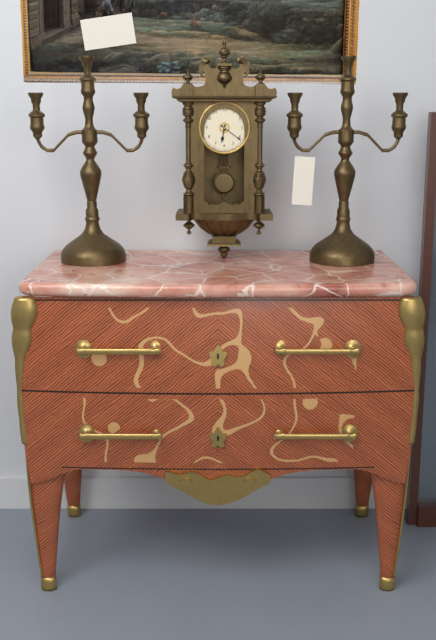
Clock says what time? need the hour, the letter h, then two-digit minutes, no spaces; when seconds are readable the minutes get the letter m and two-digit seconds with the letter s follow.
6h21
